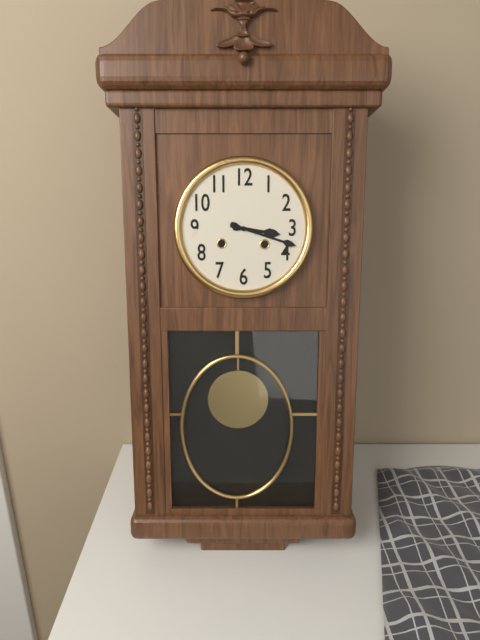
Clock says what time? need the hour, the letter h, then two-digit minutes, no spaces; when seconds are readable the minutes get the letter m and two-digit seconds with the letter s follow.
3h18
